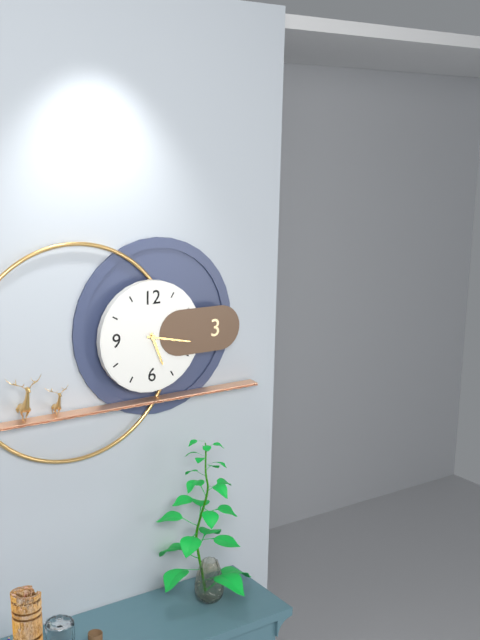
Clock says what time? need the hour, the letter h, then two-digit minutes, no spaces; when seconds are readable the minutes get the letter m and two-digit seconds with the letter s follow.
5h17
